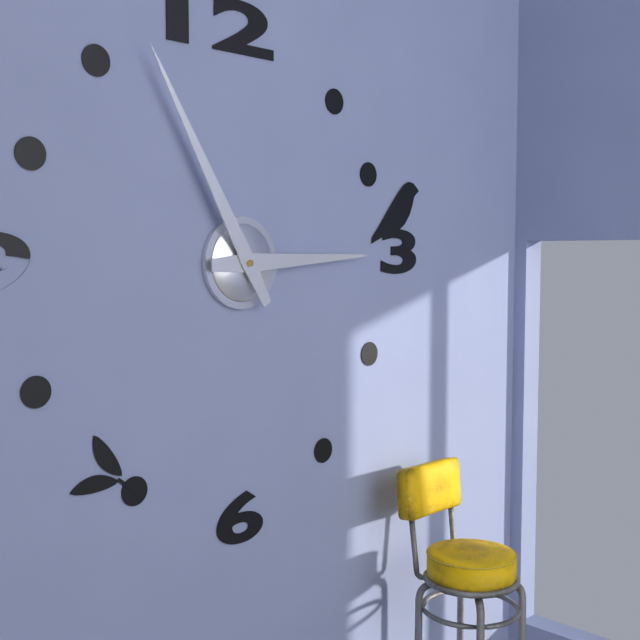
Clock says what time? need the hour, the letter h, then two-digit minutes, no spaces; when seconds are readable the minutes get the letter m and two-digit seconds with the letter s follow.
2h55
